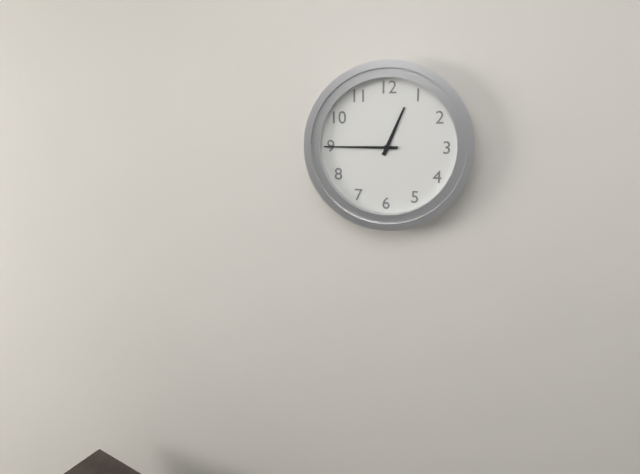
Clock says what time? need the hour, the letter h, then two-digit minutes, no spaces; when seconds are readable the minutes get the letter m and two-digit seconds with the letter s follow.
12h45
